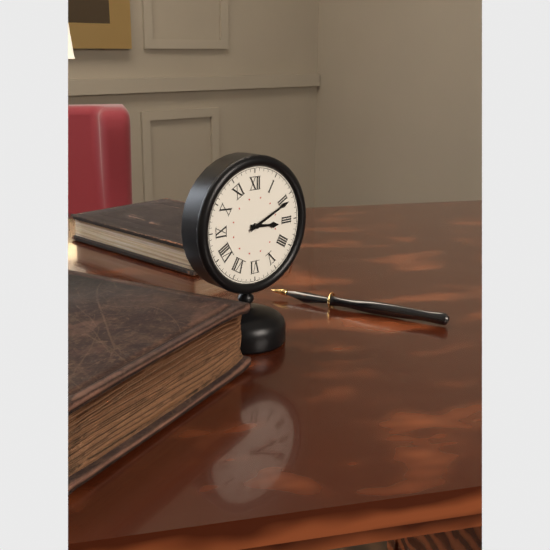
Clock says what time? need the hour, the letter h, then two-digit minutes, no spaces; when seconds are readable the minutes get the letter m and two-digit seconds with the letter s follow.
3h11
